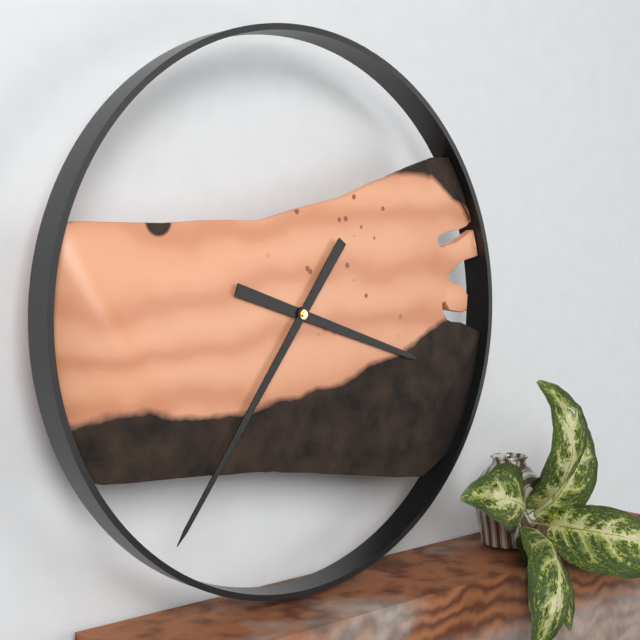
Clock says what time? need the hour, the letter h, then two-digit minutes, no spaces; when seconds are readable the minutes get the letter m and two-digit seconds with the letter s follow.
3h36
